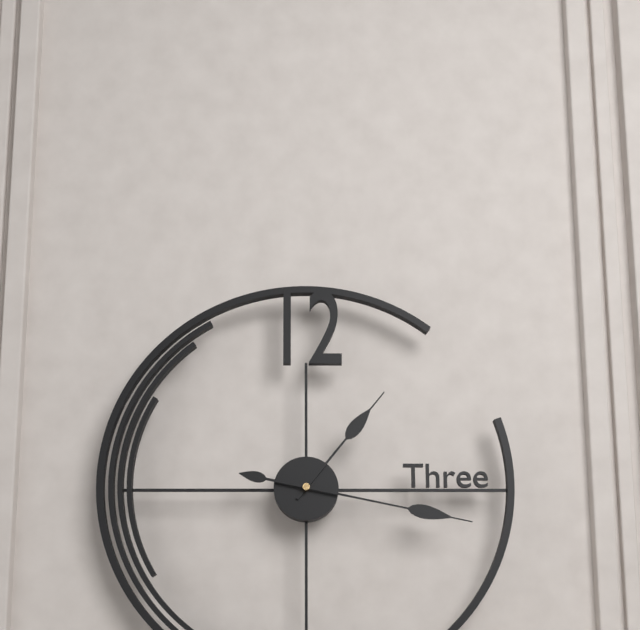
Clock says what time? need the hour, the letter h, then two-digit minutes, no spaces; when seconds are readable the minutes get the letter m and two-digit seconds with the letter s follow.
1h17
